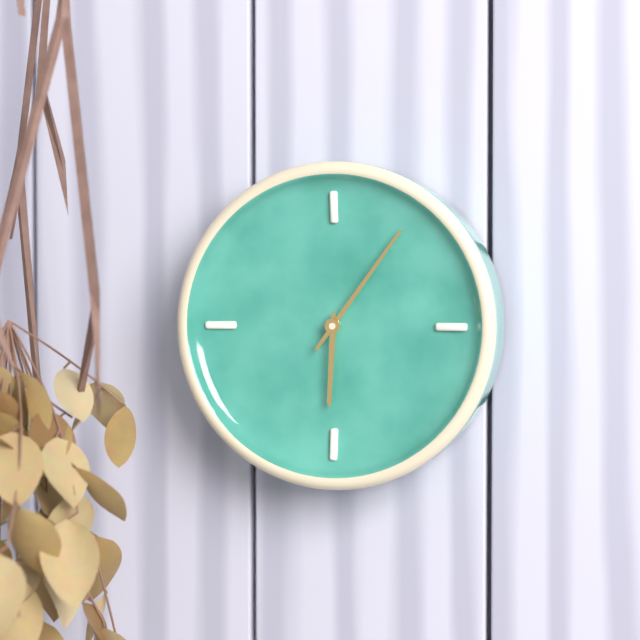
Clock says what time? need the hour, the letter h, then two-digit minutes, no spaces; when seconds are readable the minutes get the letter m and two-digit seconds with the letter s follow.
6h06
